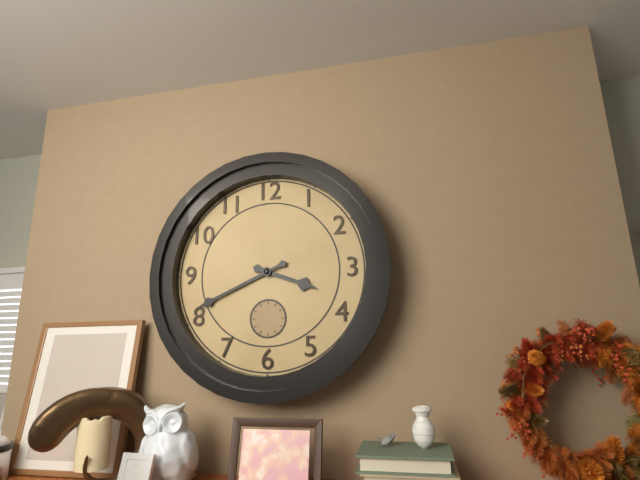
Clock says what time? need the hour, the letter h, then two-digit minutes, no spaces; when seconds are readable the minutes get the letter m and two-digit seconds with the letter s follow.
3h41
